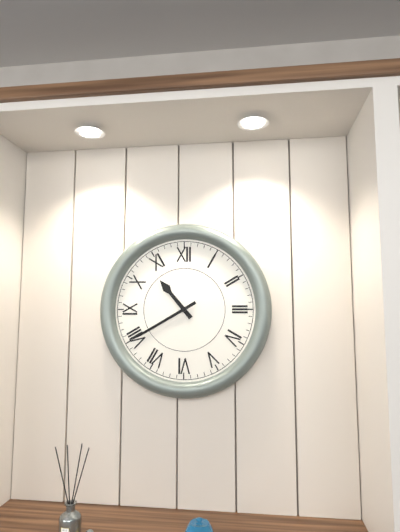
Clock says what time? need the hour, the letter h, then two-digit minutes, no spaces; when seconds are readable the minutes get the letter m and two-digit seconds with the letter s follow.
10h40
